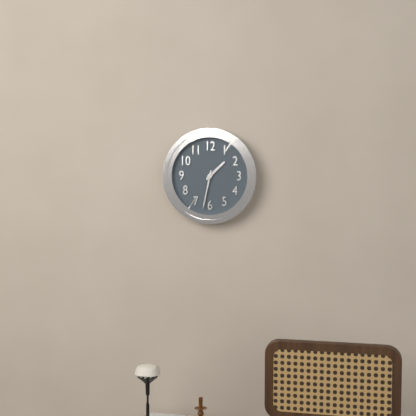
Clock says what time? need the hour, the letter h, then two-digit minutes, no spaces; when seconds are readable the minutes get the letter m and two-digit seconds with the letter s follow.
1h32
